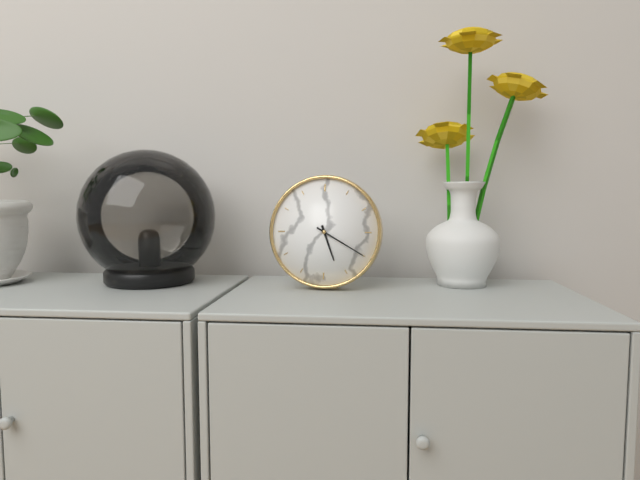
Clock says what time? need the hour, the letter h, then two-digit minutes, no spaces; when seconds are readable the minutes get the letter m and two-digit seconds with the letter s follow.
5h20
